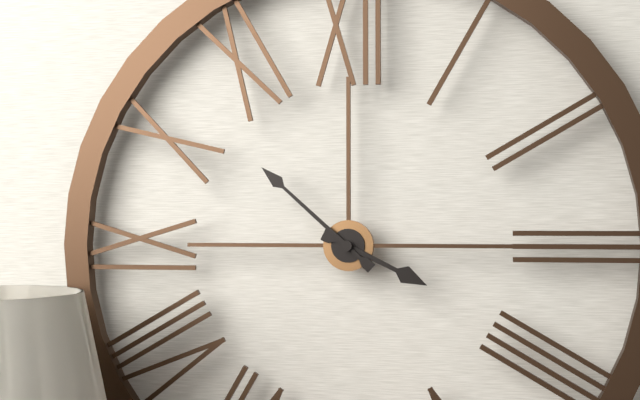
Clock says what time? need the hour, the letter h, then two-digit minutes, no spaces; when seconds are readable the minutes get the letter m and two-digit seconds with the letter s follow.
3h52
